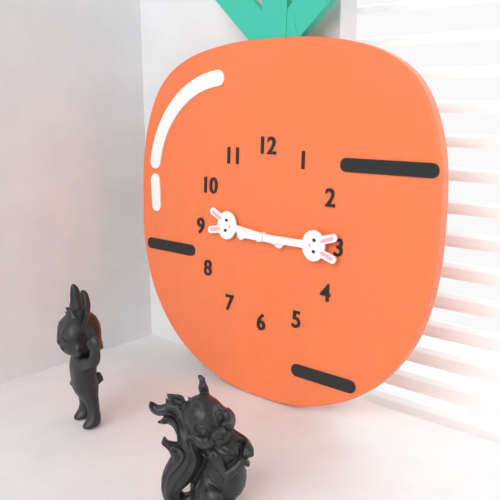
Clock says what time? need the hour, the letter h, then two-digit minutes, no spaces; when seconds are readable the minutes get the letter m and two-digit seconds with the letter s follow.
9h15
